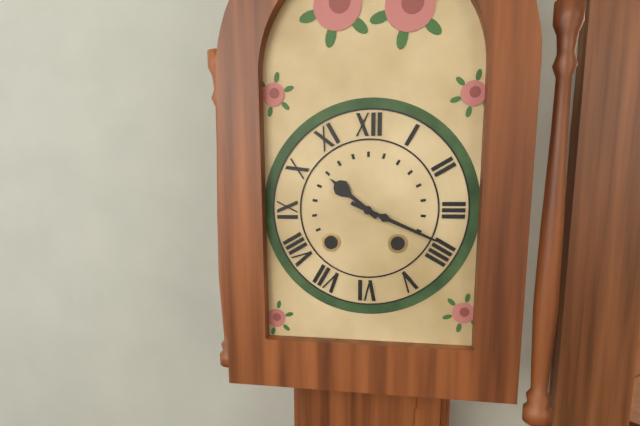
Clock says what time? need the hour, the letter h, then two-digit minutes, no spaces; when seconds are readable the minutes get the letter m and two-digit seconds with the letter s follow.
10h19
